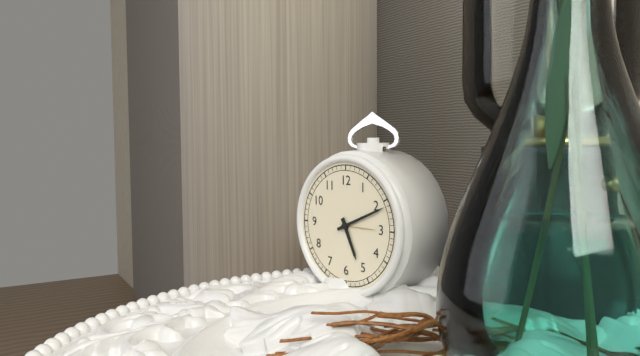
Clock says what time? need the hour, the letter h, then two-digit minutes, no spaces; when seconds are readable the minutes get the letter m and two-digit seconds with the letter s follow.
5h11
